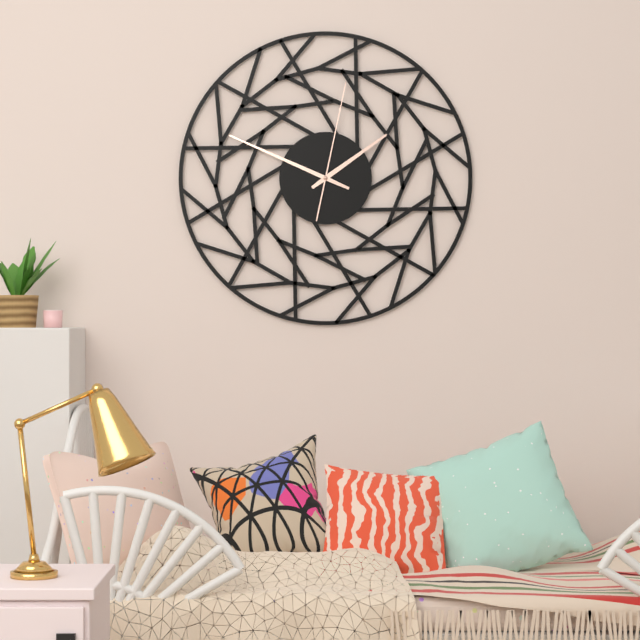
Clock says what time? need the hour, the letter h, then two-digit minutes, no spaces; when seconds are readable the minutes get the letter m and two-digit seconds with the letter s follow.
1h49m02s
